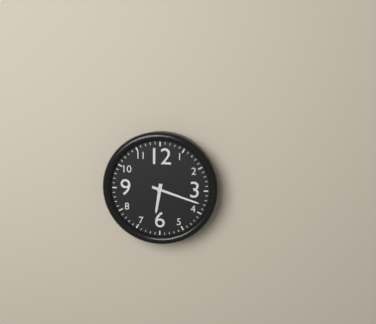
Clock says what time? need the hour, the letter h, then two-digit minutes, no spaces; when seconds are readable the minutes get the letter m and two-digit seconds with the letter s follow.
6h18
